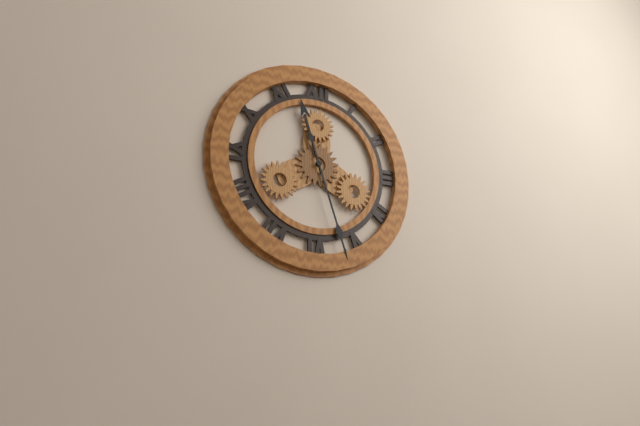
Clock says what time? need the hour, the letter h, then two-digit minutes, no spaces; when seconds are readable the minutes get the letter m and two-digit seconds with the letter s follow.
11h27
